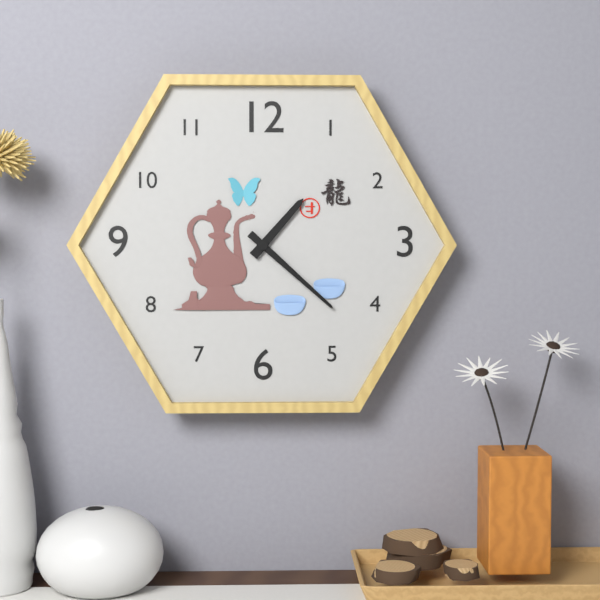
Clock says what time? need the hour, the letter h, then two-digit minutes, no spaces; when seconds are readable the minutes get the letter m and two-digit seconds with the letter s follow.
1h22
